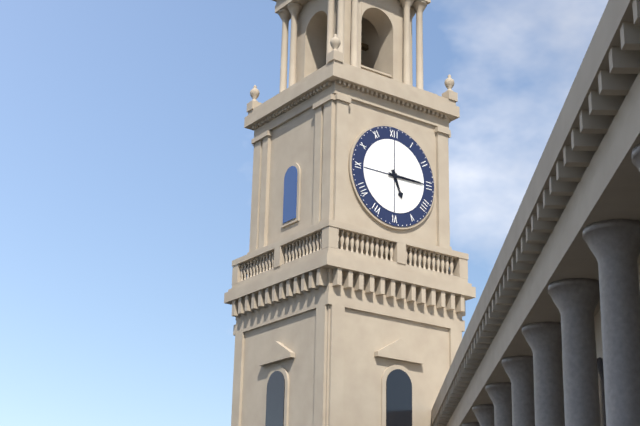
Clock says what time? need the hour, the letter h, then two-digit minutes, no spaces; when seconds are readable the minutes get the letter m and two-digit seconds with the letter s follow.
5h15
